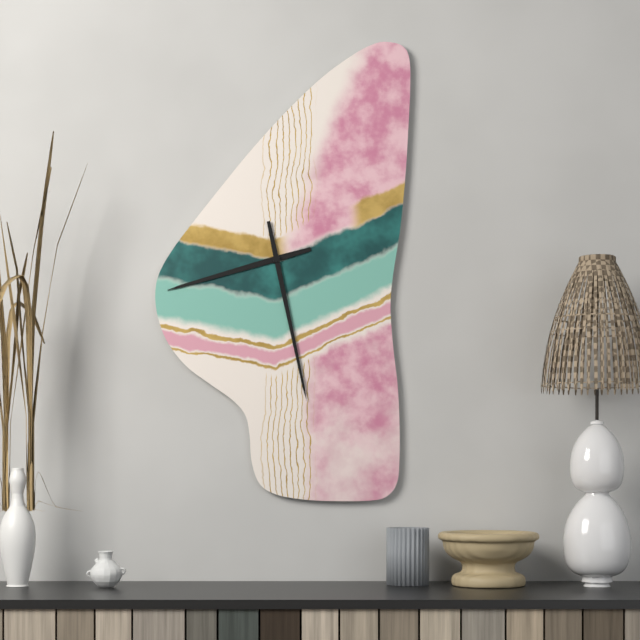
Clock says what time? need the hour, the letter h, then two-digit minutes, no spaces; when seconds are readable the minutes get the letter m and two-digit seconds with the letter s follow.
8h28
